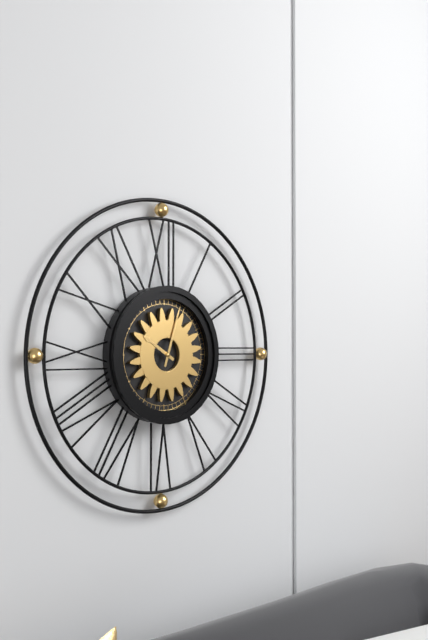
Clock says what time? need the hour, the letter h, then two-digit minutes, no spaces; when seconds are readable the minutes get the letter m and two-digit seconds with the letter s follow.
10h03
